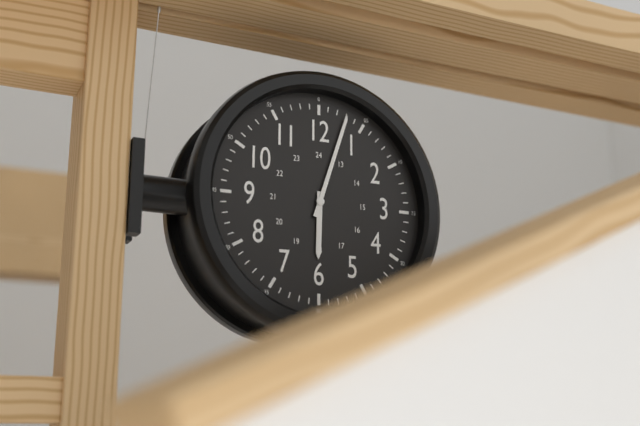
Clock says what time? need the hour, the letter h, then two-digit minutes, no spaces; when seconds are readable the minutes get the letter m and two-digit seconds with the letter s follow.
6h03
